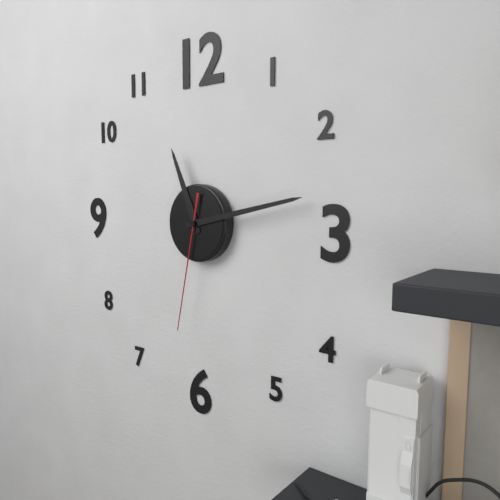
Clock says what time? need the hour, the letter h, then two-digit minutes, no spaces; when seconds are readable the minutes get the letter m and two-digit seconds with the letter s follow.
11h13m32s
